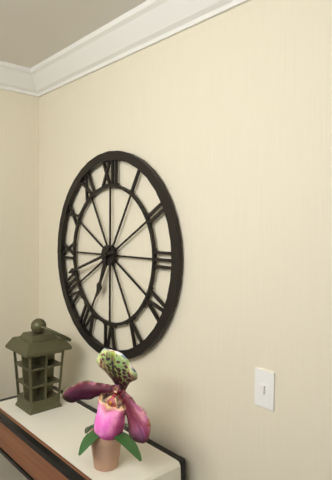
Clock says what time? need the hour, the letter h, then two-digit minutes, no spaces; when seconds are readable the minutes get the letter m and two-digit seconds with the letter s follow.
6h42
